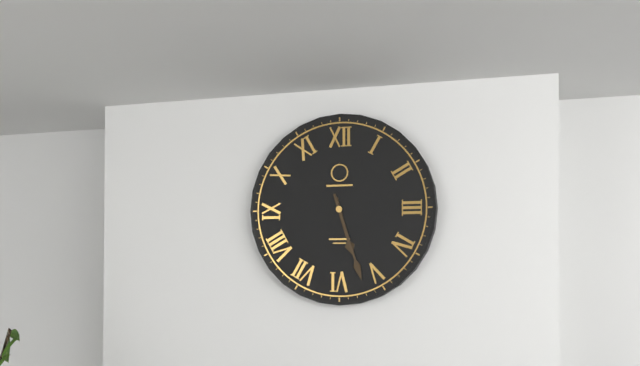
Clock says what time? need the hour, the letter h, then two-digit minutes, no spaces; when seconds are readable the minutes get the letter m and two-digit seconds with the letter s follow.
5h27
